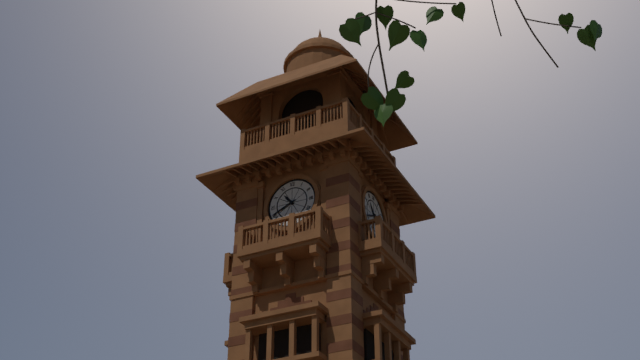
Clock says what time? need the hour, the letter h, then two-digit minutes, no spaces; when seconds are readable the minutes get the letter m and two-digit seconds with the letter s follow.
10h41
